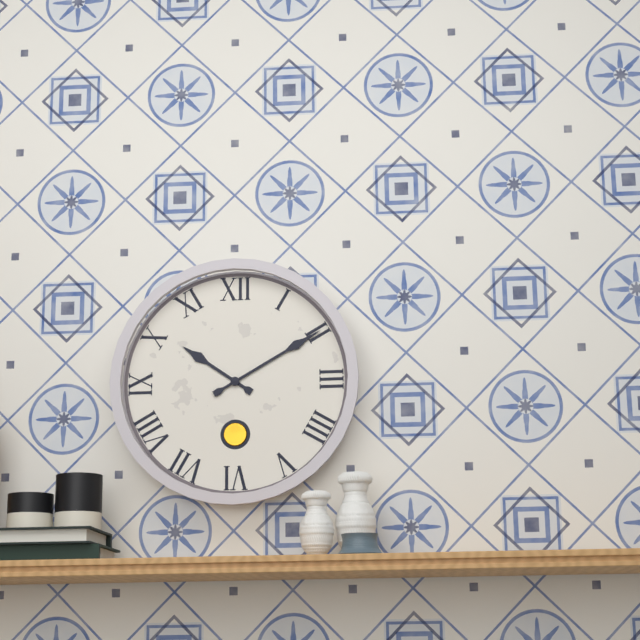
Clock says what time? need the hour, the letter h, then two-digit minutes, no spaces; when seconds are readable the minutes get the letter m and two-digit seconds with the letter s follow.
10h10
